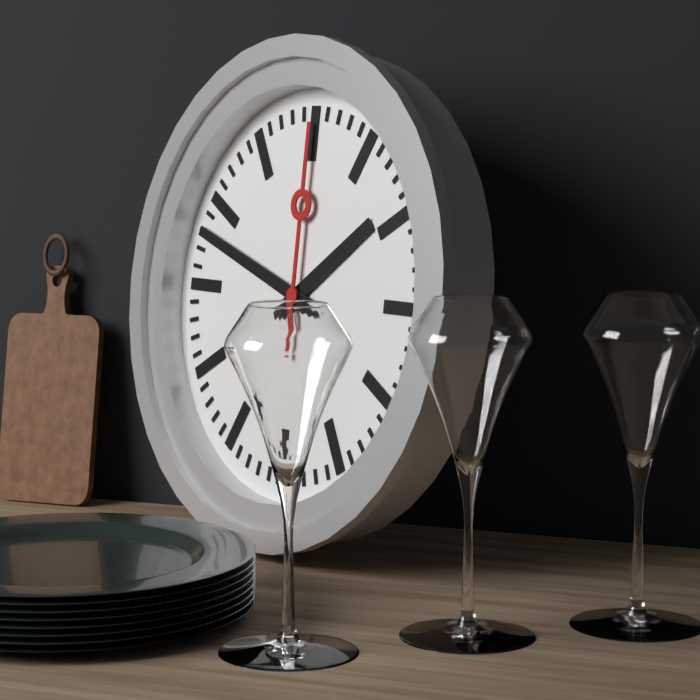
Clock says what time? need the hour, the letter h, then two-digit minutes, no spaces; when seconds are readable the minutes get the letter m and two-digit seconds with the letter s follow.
1h48m00s
